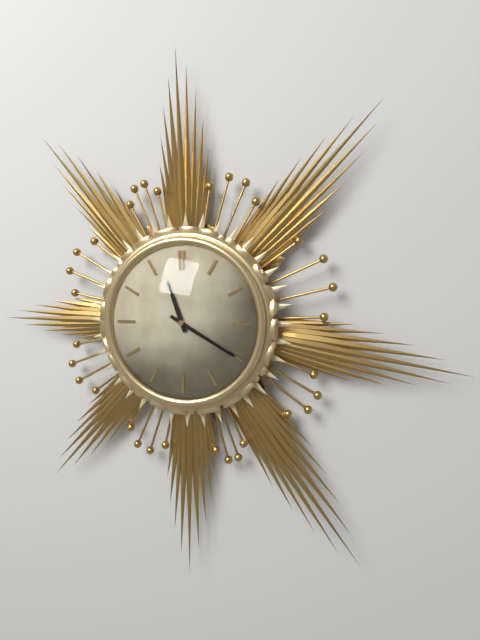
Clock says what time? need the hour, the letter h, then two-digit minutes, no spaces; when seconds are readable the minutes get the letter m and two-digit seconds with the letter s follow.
11h20
